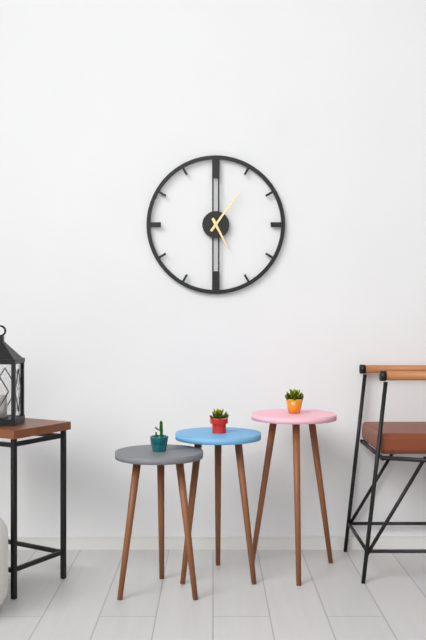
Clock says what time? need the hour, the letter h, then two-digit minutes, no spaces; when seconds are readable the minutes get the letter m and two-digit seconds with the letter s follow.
5h06
